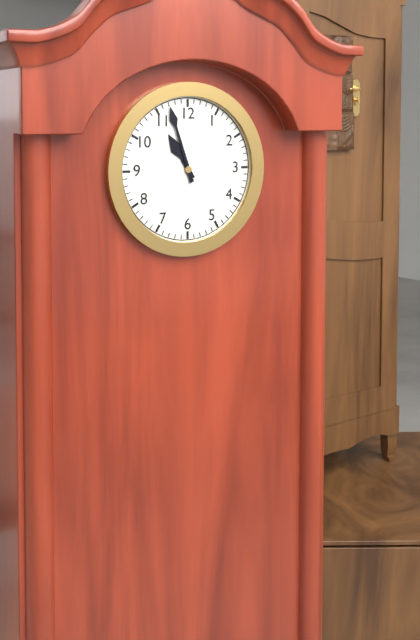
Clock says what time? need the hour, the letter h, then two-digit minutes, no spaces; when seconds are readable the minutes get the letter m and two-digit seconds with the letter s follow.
10h57
